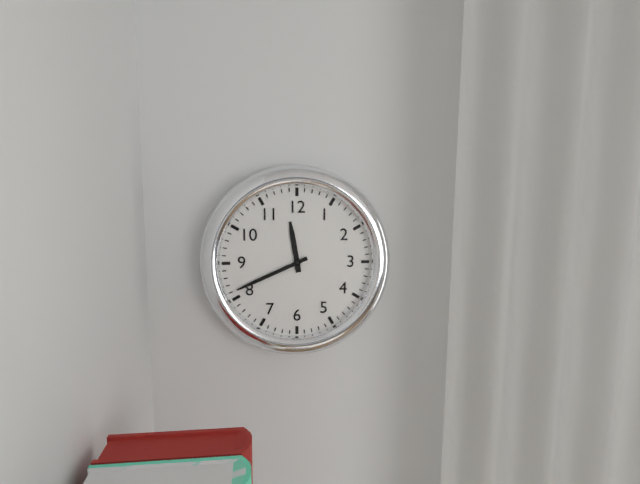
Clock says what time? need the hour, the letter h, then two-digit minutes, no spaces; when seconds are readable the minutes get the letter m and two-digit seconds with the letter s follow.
11h41
